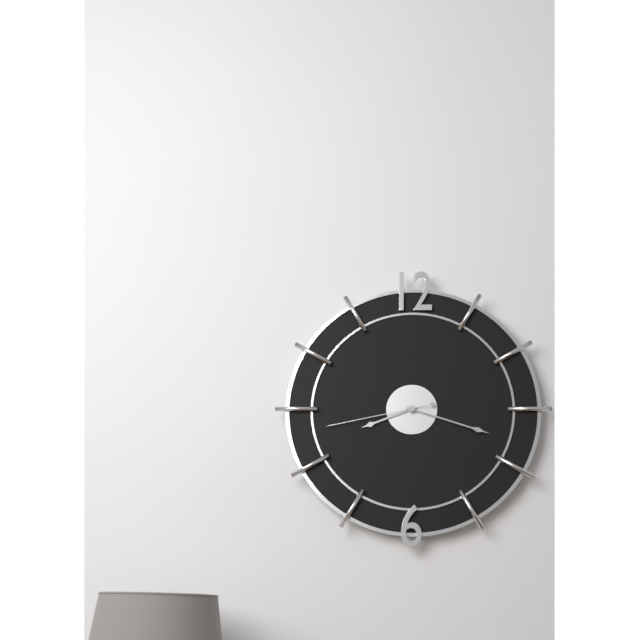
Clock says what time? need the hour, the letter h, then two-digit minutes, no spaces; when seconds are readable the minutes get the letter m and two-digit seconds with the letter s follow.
8h18m43s
